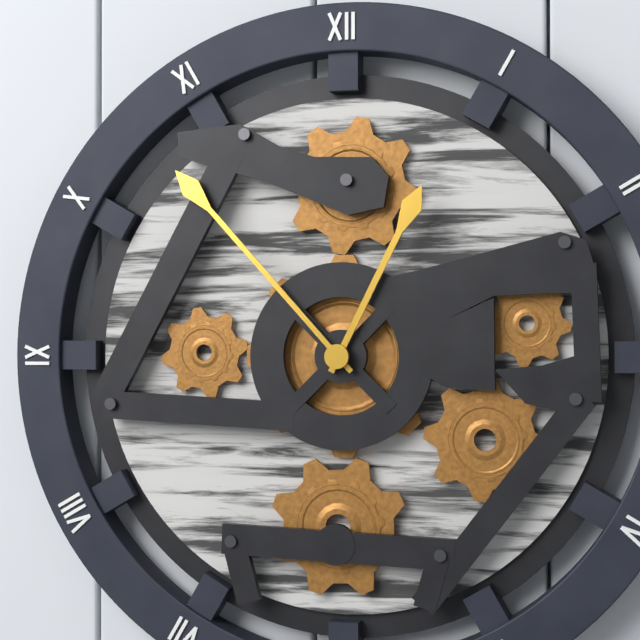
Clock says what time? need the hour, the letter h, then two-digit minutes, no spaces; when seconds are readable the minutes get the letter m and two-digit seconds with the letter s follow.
12h53
